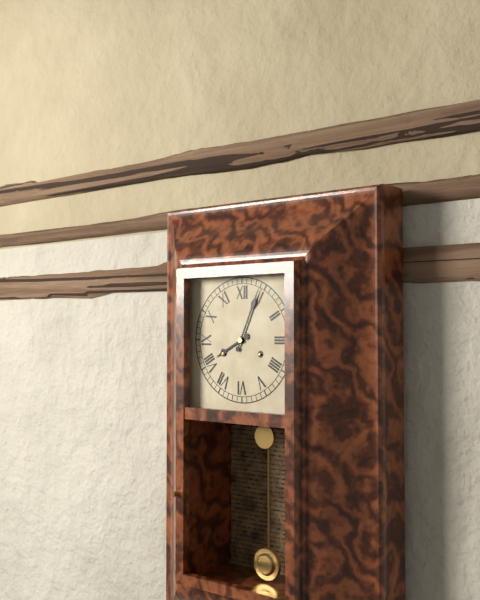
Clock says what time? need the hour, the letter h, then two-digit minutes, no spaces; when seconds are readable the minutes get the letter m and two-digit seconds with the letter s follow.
8h04
